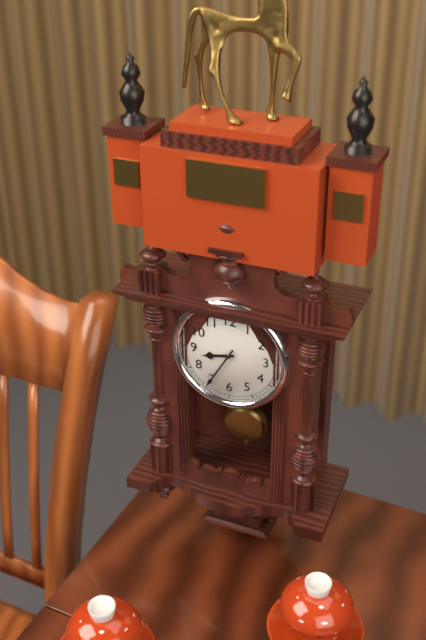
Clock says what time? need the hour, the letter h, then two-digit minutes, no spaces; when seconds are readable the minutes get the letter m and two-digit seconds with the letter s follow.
8h35
